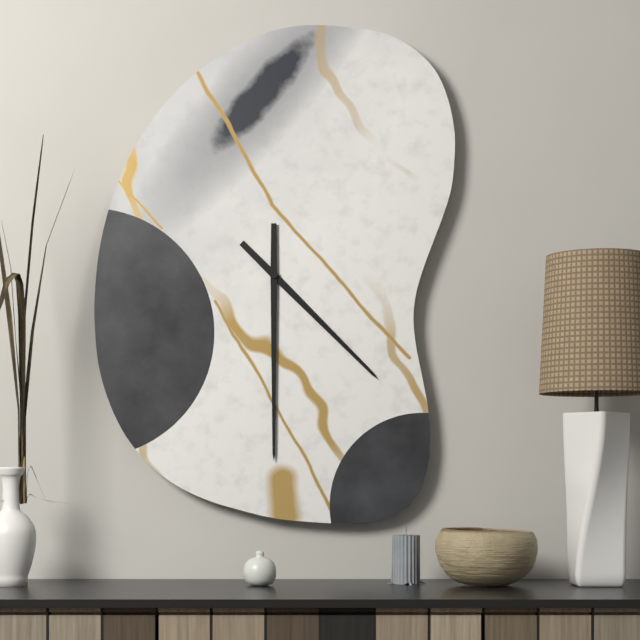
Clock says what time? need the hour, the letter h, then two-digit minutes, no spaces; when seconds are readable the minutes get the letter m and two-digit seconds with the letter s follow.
4h30
